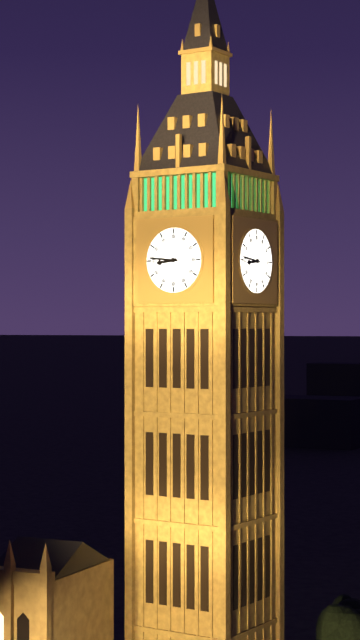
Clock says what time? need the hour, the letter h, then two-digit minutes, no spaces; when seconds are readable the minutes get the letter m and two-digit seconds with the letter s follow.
8h46
